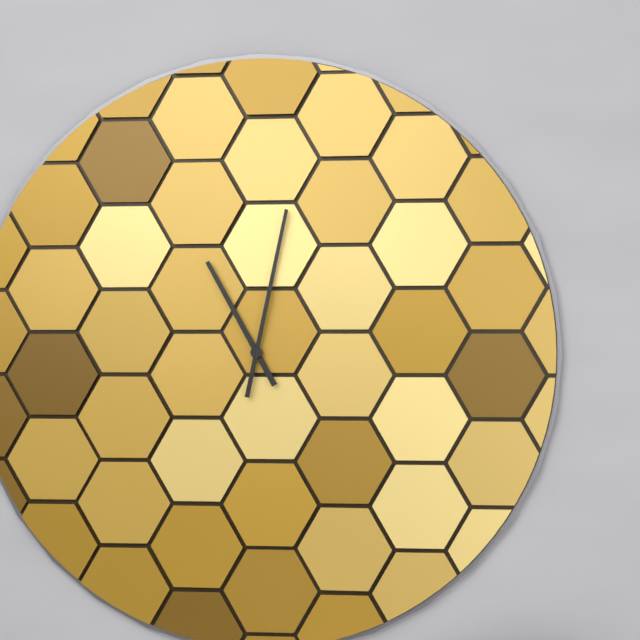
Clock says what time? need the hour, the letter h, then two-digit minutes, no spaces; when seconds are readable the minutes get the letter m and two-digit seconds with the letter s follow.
11h02
